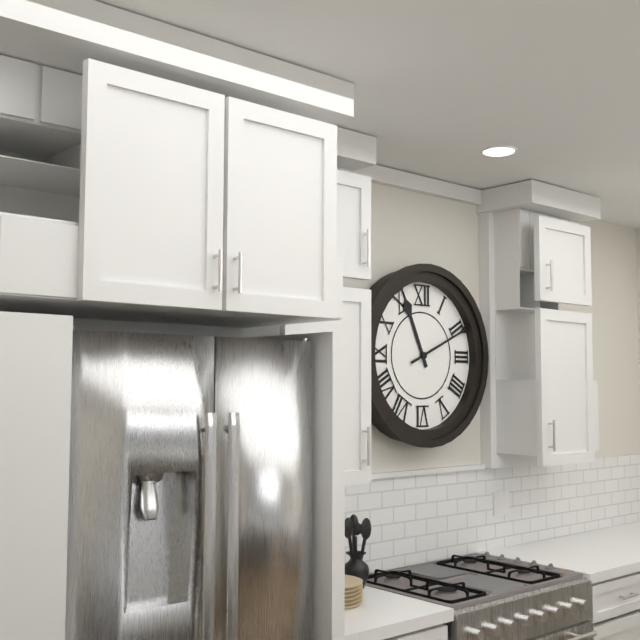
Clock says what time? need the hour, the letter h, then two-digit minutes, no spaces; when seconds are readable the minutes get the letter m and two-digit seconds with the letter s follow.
11h11
